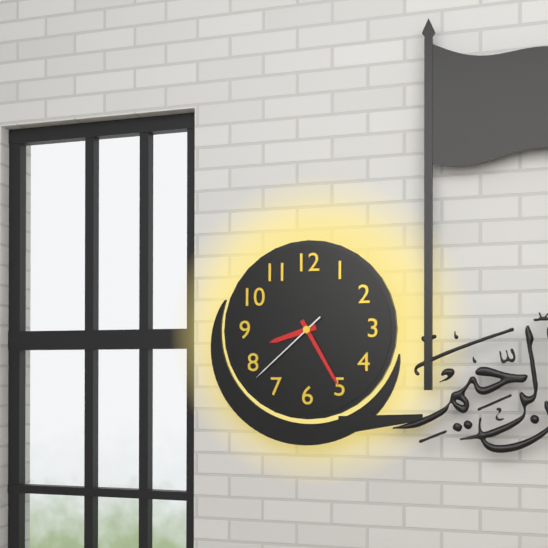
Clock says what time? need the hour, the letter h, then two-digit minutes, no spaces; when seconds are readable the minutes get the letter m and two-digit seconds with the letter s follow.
8h25m38s
